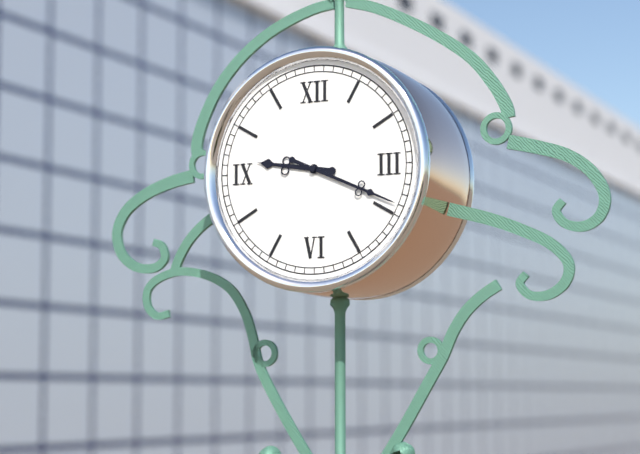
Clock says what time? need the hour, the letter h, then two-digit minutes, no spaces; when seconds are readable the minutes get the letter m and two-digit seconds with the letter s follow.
9h19
